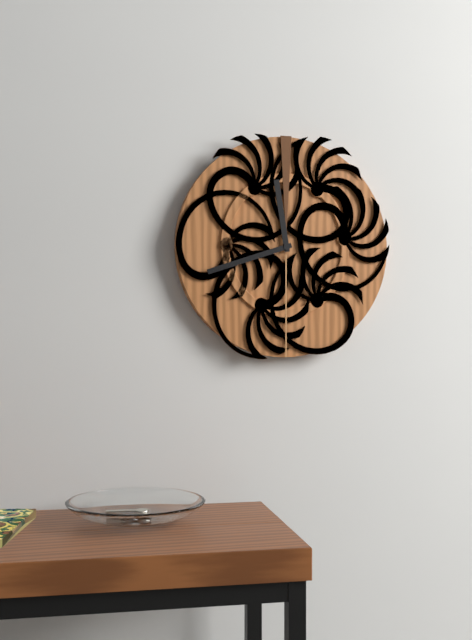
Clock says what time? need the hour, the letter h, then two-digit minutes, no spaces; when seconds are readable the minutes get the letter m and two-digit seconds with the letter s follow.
11h42
